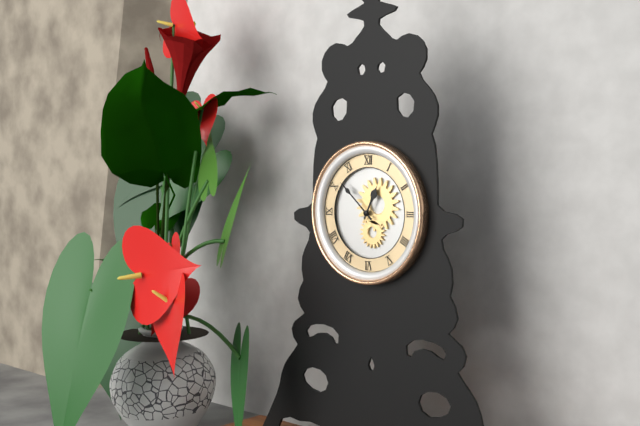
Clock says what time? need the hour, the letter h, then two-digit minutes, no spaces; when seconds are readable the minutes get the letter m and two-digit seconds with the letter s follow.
12h52
